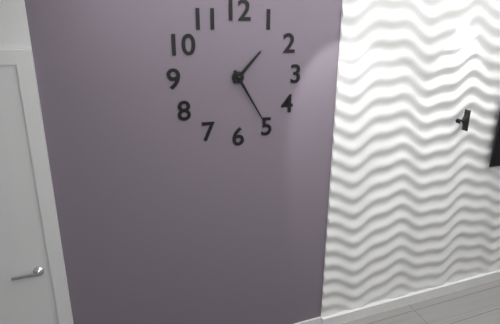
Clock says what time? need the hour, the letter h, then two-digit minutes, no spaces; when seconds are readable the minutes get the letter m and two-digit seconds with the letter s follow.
1h25
